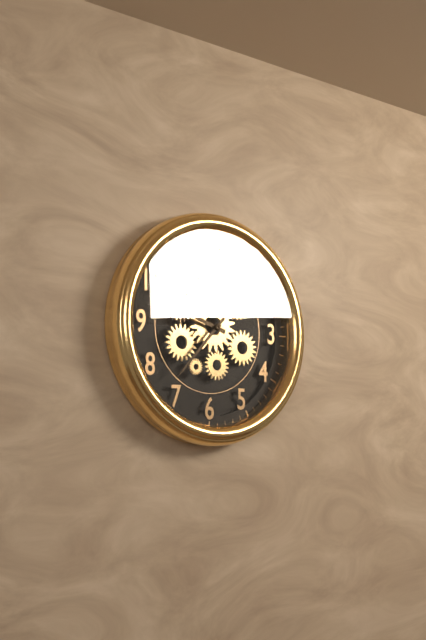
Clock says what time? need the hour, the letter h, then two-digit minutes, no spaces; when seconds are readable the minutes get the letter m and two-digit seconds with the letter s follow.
9h37
